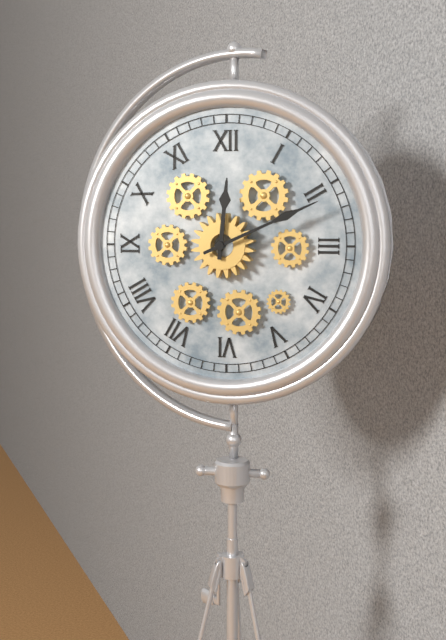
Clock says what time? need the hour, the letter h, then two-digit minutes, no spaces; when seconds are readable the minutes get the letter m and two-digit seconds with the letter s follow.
12h11
